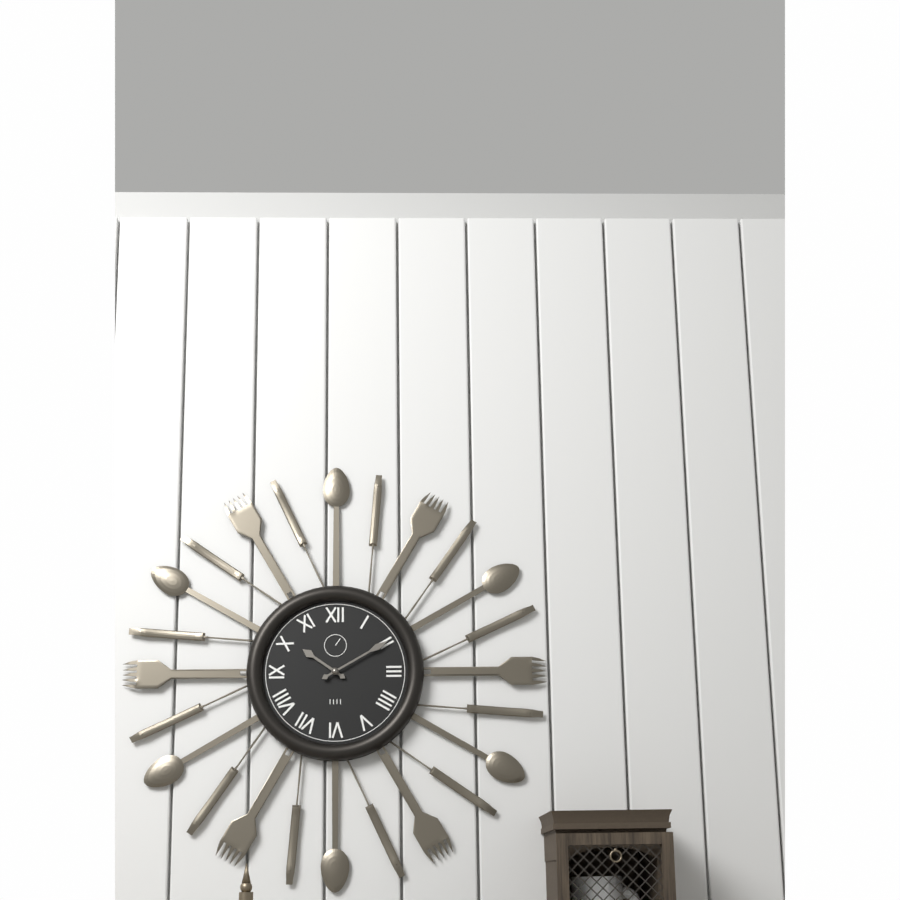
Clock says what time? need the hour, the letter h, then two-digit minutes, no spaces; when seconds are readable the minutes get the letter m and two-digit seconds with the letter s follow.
10h10
